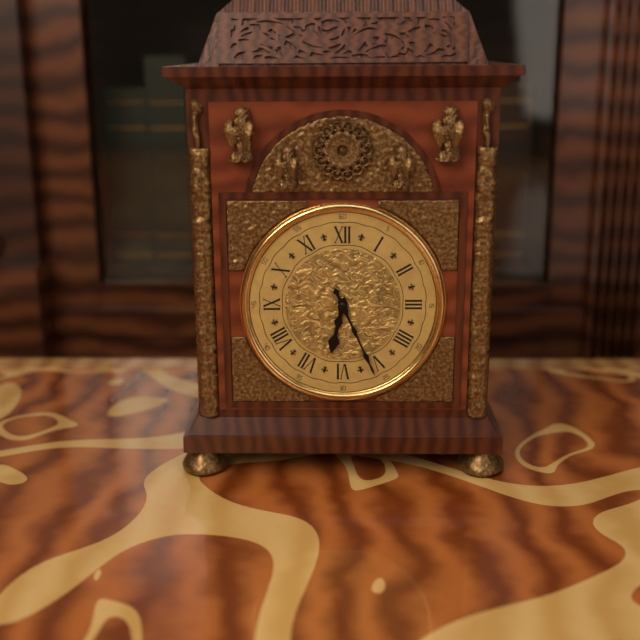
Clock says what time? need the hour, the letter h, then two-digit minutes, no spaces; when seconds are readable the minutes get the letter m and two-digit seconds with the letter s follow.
6h26
